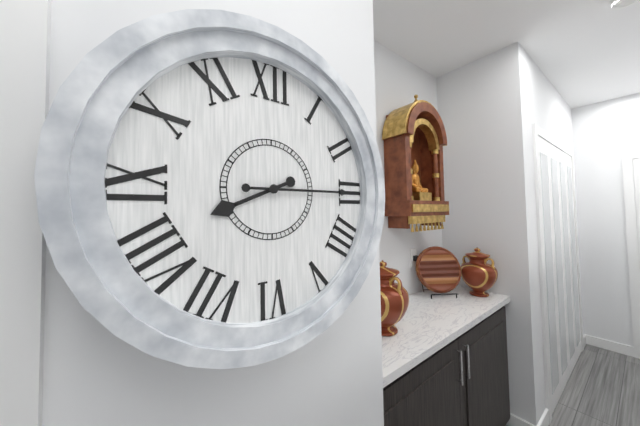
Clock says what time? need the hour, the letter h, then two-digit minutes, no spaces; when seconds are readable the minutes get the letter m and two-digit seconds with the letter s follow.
8h15
